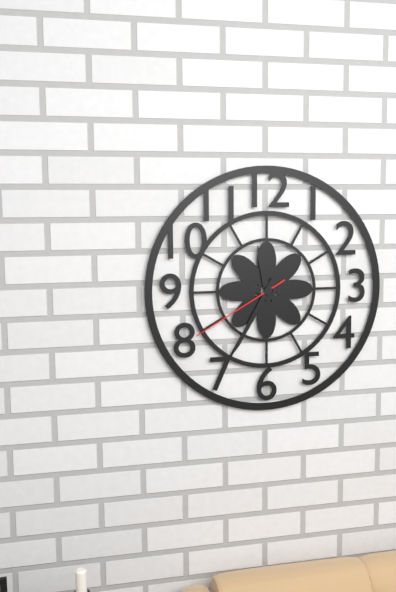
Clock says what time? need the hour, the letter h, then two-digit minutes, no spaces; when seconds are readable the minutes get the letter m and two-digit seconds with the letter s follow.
11h35m40s
